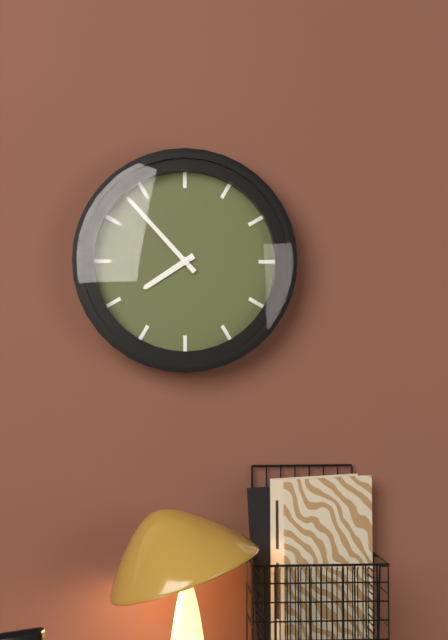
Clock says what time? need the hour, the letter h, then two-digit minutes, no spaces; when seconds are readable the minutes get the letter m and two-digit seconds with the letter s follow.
7h53
